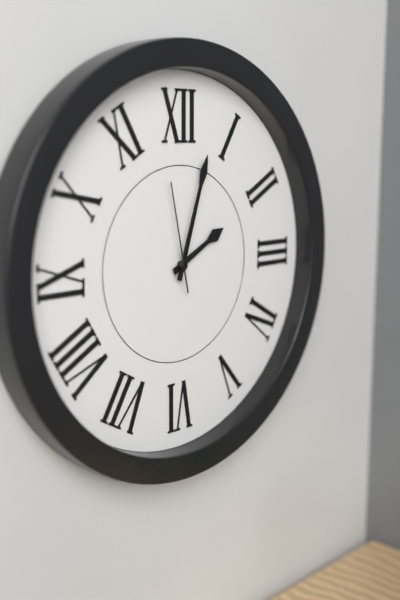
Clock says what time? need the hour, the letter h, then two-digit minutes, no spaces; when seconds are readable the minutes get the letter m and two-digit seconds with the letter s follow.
2h03m58s
